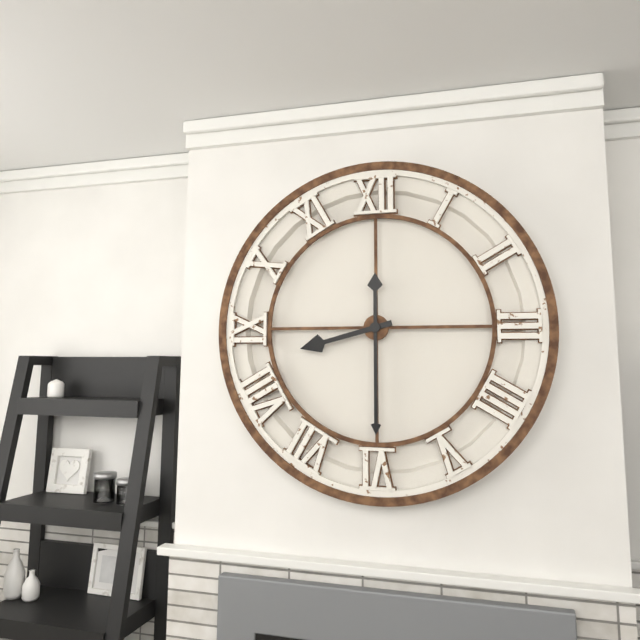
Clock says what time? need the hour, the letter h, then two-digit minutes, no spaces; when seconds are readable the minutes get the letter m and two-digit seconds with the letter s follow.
8h30
